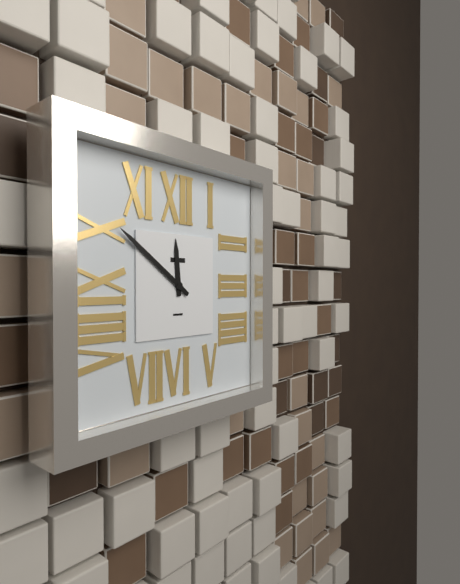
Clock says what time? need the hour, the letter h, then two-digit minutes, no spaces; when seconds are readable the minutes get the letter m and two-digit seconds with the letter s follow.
11h51
